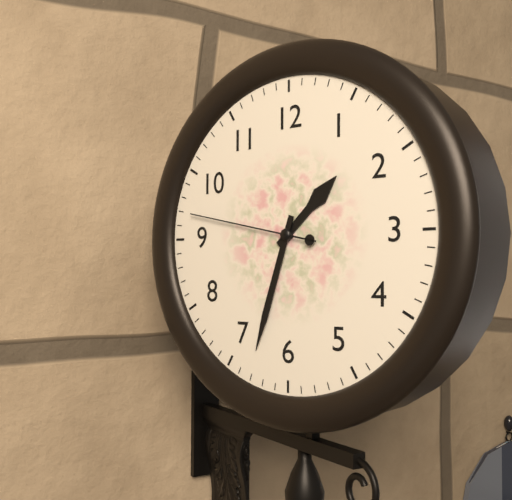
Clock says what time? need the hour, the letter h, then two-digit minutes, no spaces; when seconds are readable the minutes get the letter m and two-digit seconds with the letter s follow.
1h33m47s
